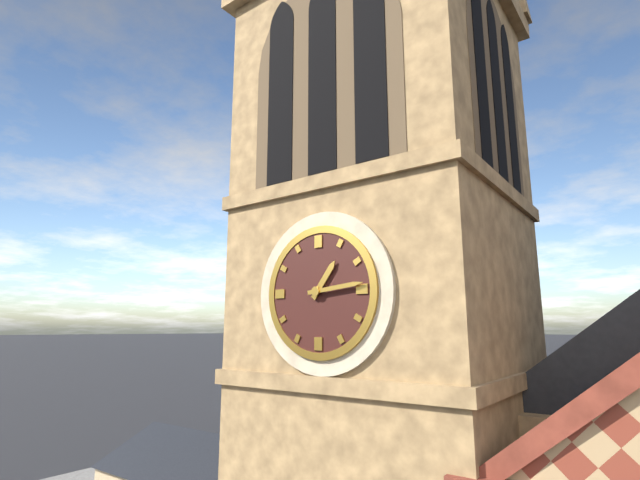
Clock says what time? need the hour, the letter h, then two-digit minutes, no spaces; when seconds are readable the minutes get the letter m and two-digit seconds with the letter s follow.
1h14
